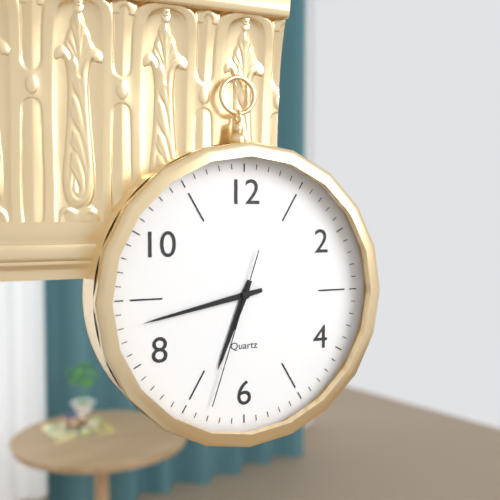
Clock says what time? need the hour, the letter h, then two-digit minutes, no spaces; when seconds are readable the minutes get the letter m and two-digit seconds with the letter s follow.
6h43m33s
